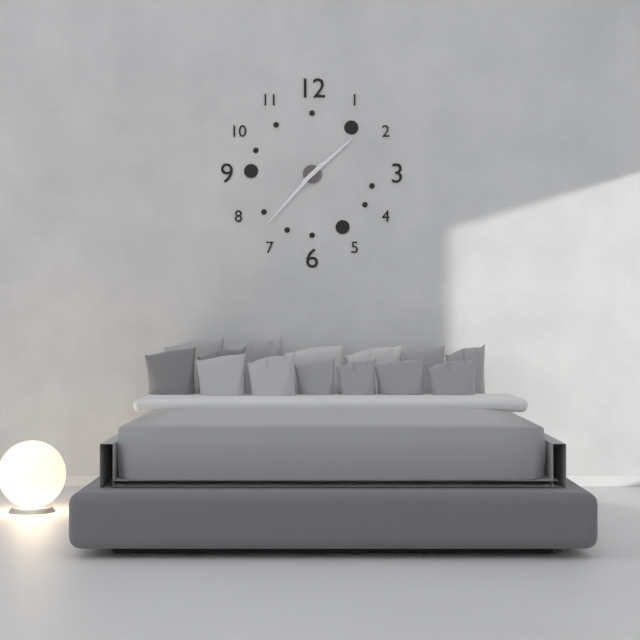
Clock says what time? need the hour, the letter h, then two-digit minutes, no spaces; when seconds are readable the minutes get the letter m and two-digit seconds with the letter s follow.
1h37
